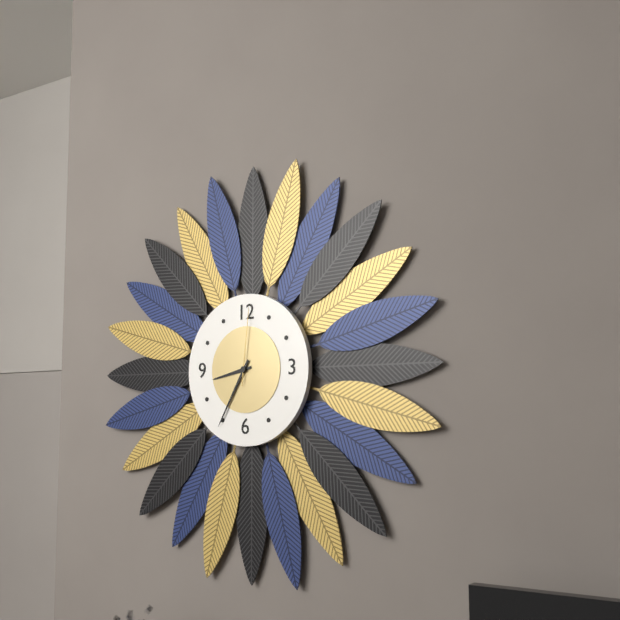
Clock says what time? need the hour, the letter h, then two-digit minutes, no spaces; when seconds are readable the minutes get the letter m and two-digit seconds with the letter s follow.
8h35m01s
